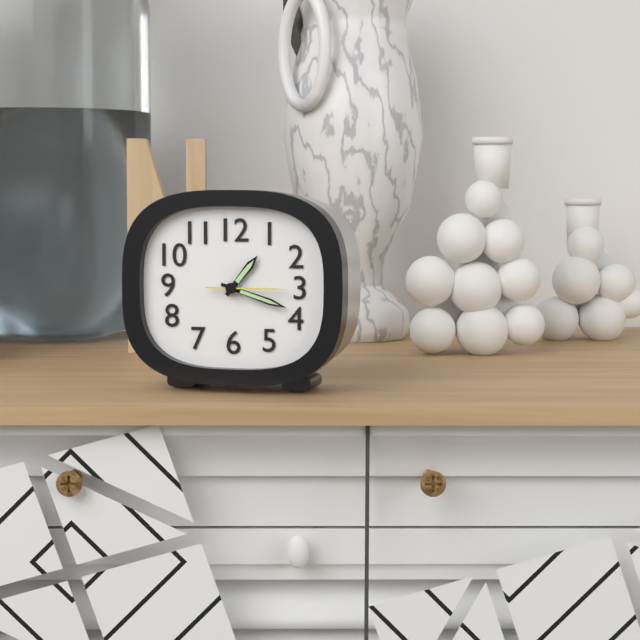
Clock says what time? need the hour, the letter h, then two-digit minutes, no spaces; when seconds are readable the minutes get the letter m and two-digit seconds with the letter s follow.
1h18m15s
